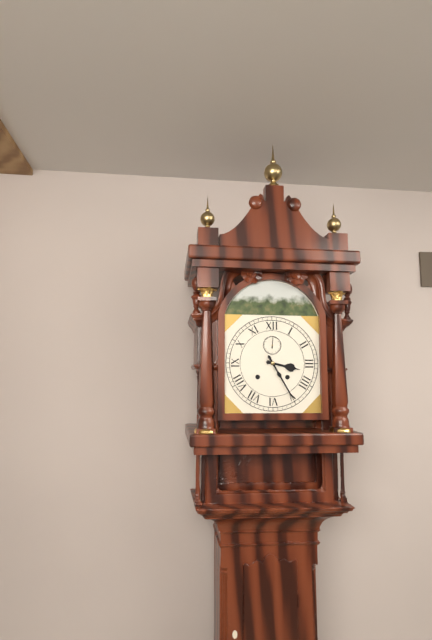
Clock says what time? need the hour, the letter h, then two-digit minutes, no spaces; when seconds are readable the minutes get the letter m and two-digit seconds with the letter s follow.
3h25
